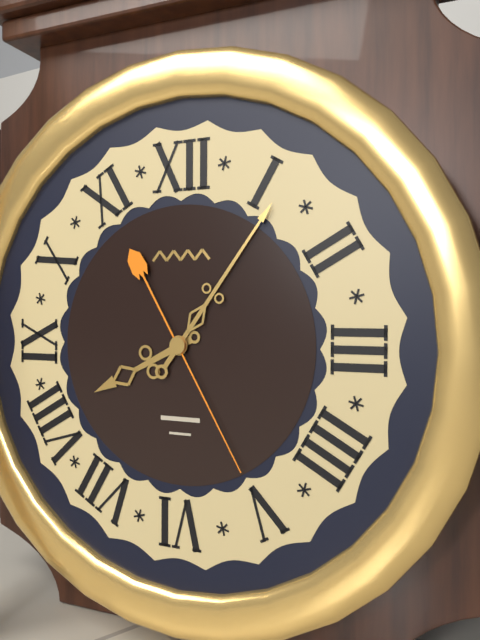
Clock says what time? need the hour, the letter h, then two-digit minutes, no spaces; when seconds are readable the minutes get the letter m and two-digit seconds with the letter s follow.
8h06m25s
